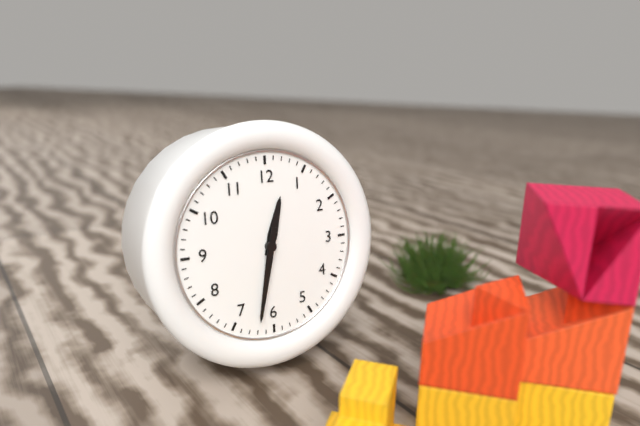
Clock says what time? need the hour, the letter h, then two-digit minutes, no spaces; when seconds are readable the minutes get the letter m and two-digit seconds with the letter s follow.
12h32
